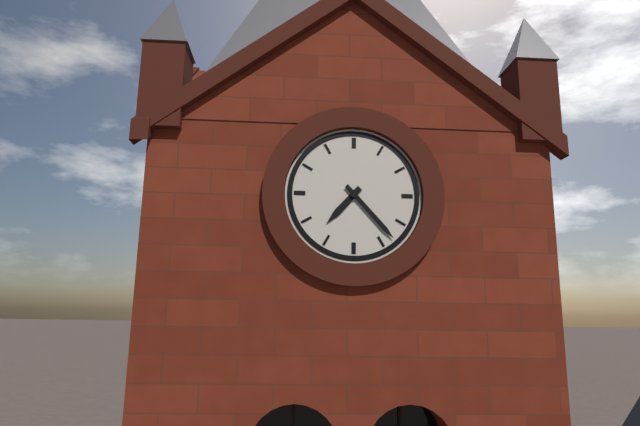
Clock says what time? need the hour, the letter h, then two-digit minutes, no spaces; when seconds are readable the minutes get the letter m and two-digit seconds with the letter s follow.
7h23
